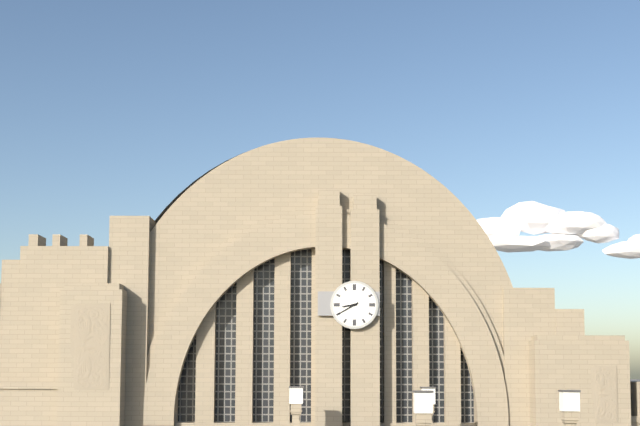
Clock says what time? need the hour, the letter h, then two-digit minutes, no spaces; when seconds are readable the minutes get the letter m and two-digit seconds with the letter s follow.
8h40
